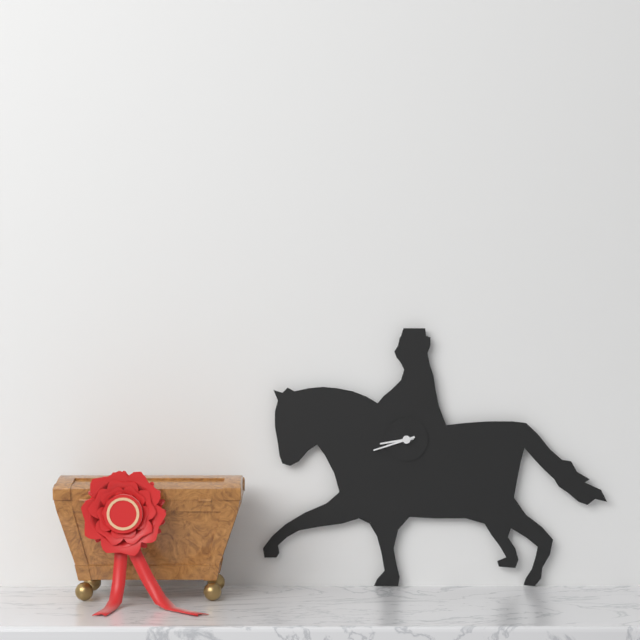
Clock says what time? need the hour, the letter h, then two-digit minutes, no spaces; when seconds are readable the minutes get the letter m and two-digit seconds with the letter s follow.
8h42
